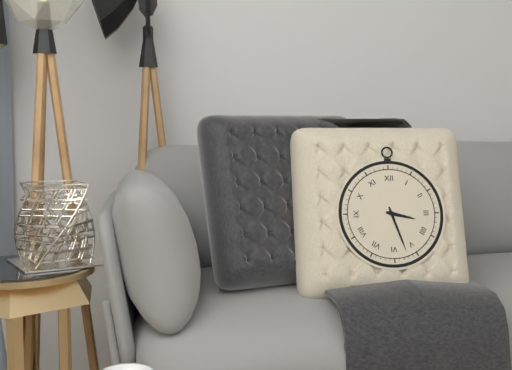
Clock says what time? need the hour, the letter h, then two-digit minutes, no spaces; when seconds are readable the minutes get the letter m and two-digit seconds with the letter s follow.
3h27
